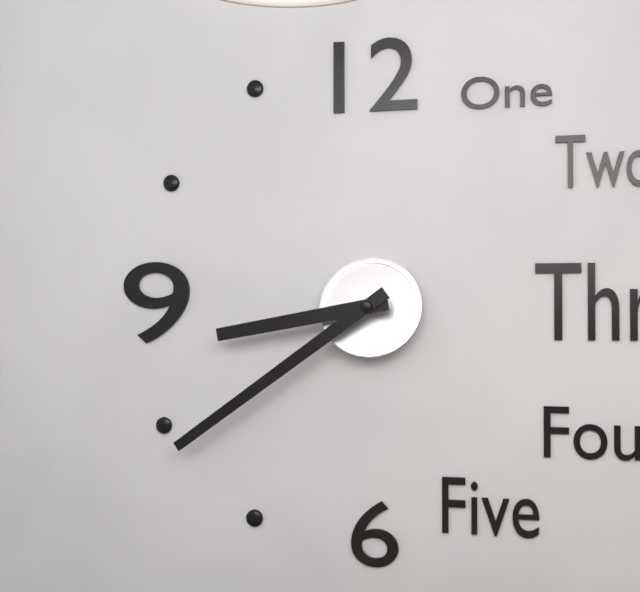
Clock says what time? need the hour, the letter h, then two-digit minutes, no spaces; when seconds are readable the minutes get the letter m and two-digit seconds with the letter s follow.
8h39
